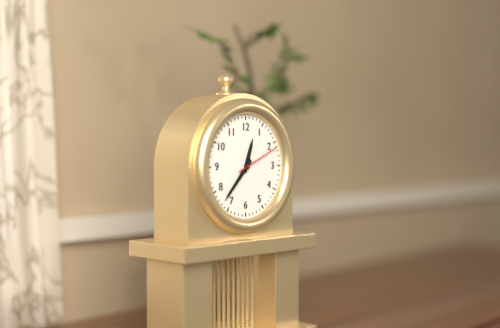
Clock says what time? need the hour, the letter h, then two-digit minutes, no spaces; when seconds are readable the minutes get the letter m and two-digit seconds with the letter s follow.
12h37
